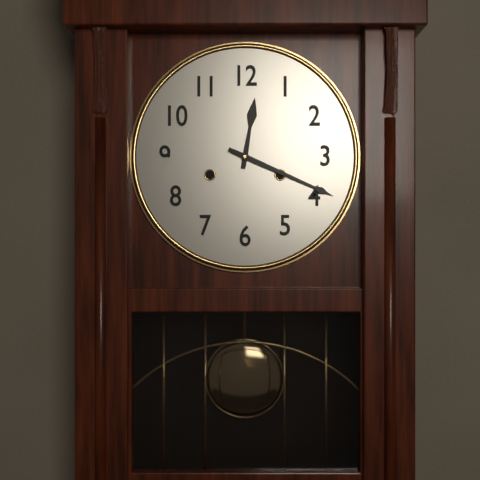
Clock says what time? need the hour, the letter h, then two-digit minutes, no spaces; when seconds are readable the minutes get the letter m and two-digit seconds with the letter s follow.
12h19
